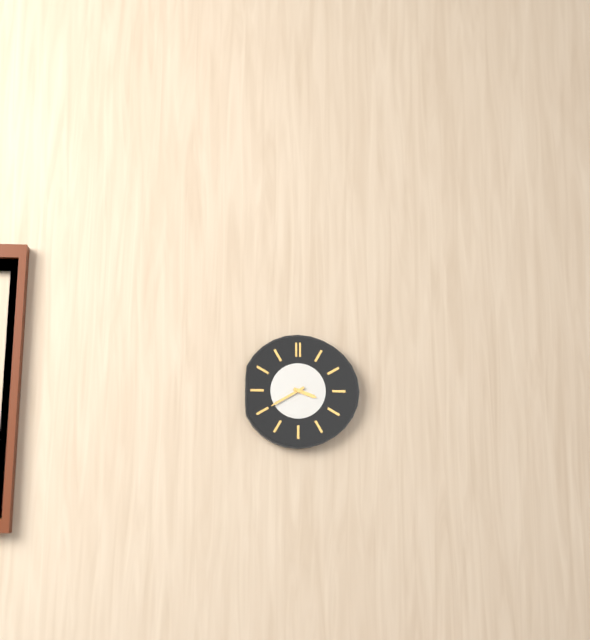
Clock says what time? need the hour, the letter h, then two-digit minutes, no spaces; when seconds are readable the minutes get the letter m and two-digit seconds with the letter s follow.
3h40
